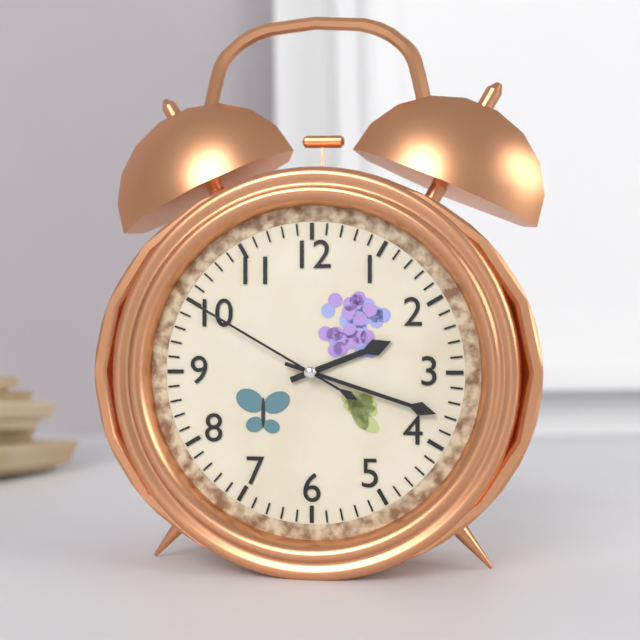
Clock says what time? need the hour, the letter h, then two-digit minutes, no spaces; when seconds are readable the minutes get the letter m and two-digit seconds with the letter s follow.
2h18m50s
